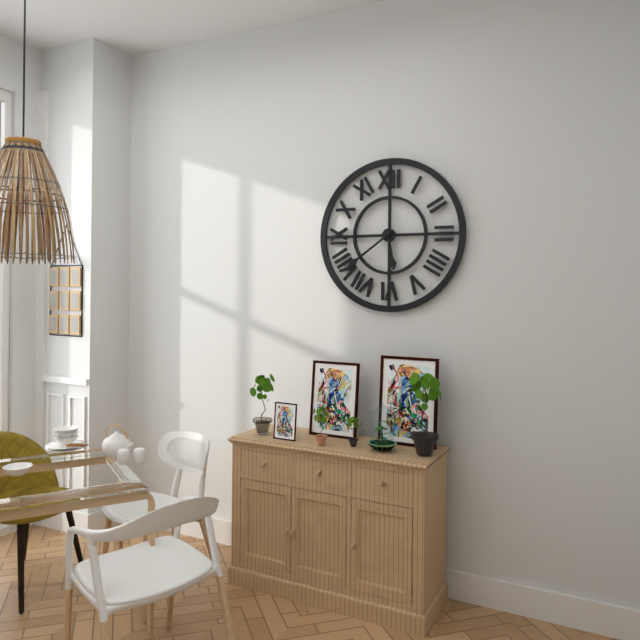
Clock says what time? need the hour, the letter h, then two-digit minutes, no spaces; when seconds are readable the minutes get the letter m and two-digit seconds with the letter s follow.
5h39
